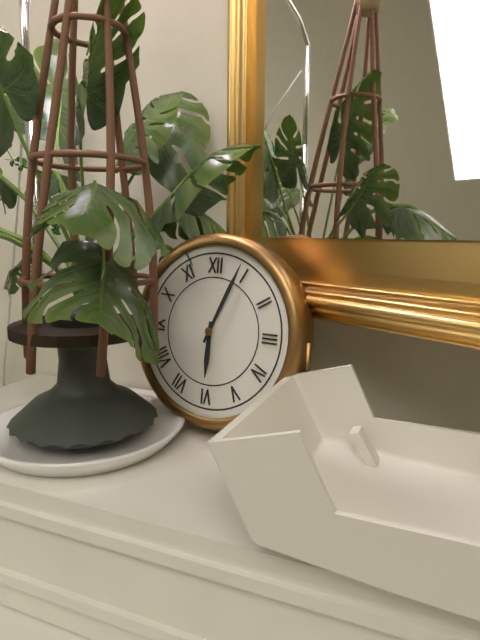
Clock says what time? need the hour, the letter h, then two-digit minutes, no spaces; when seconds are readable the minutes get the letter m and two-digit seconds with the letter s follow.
6h04
